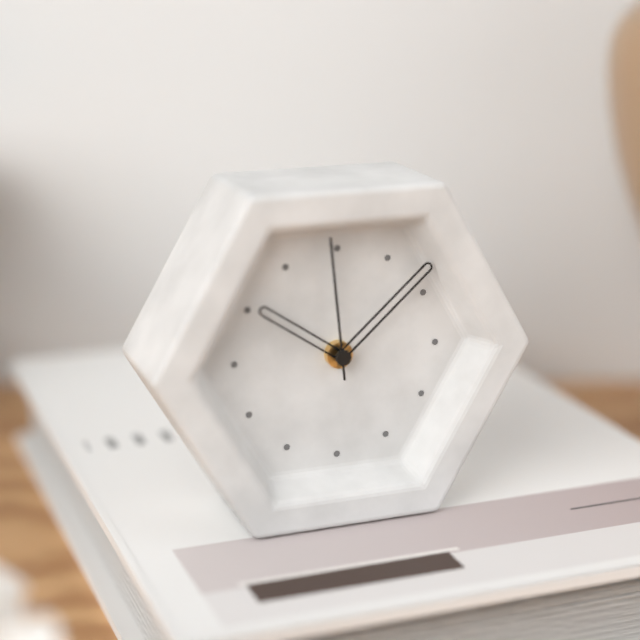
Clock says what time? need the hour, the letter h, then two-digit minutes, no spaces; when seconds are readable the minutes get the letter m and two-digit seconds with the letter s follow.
10h08m59s
